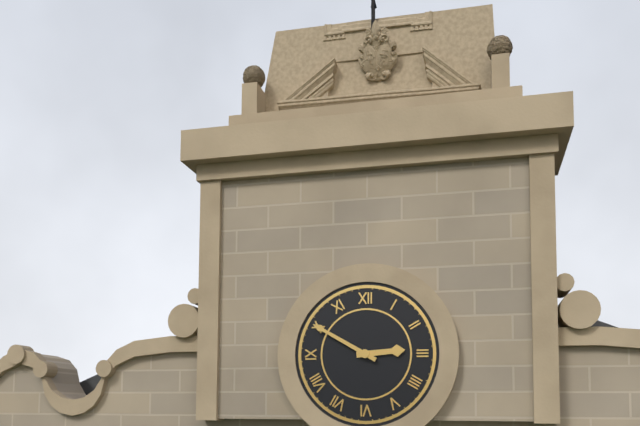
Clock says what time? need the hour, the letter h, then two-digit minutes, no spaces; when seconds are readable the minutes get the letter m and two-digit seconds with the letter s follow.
2h50
